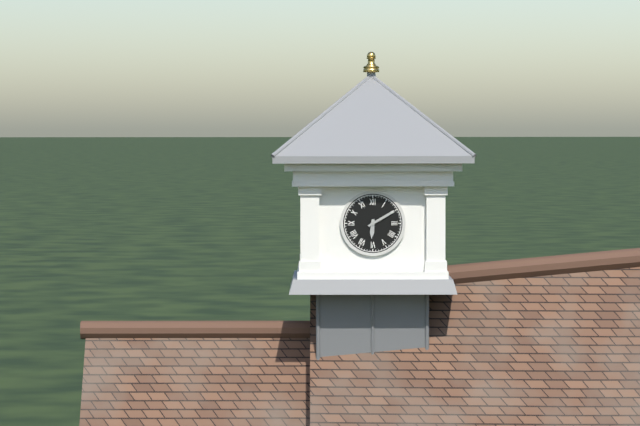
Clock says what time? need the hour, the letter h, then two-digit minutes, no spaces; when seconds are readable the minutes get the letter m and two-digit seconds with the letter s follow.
6h10
